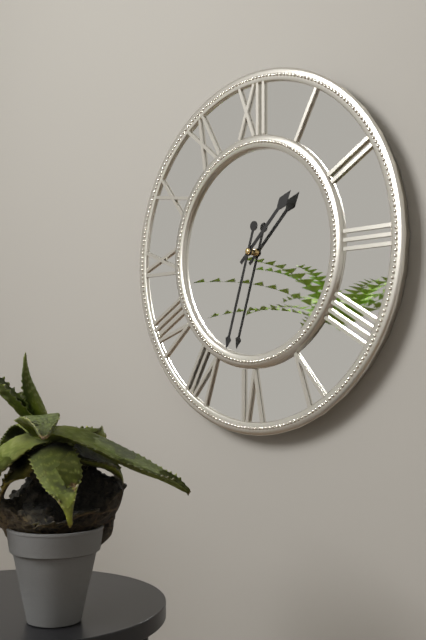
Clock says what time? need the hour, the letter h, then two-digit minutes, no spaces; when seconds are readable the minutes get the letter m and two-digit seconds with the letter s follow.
1h33
